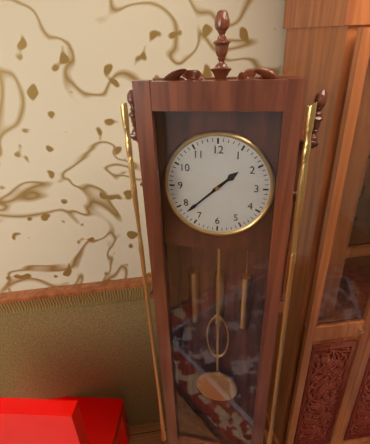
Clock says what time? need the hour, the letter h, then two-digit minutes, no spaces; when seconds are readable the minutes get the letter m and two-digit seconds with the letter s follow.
1h38
